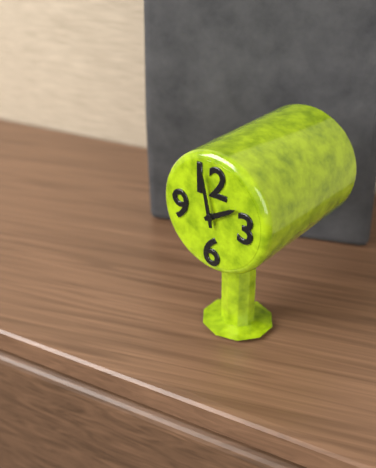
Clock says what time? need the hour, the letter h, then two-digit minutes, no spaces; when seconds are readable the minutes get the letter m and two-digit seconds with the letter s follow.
1h58
